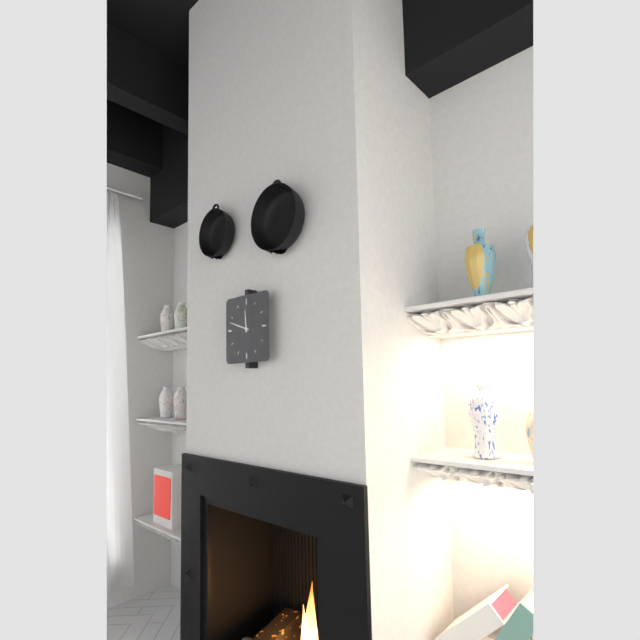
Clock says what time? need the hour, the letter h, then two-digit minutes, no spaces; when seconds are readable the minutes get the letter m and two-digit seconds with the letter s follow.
11h48
